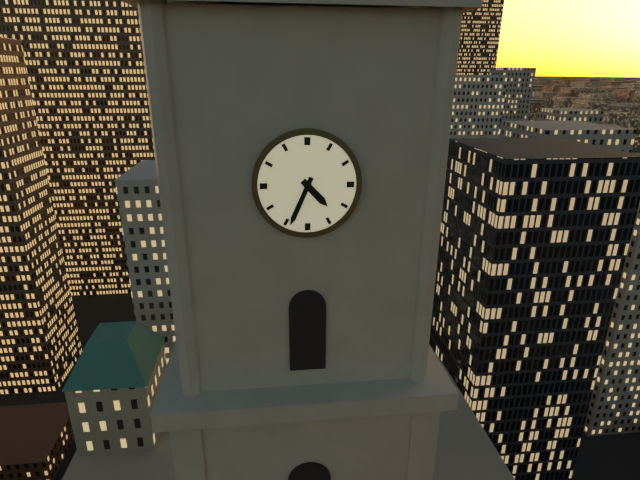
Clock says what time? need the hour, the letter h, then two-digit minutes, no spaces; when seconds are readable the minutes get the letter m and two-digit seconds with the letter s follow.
4h34
